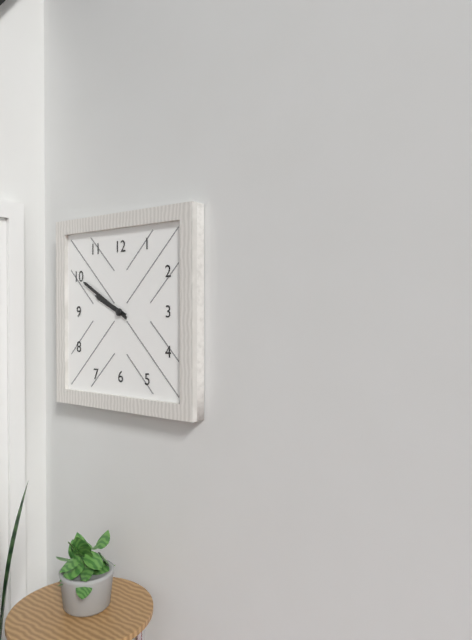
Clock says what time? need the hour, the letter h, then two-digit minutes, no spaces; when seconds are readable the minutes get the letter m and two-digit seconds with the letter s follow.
9h50
